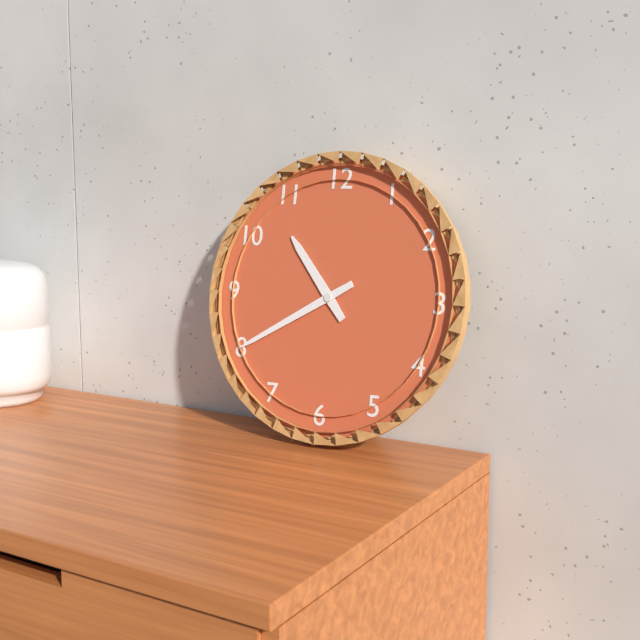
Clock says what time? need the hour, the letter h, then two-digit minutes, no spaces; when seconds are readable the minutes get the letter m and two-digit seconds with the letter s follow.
10h40
